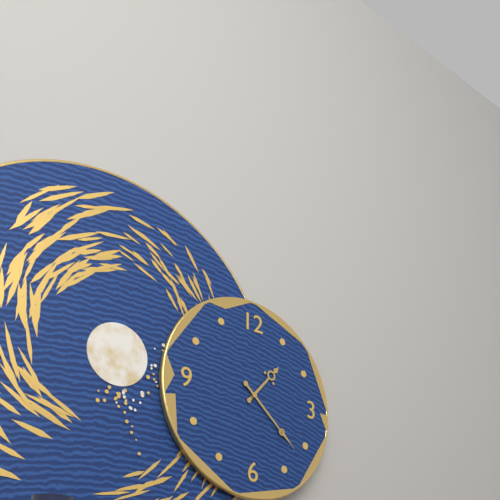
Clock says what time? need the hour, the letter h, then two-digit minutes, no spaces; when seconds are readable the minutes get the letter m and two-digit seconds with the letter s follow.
1h22
